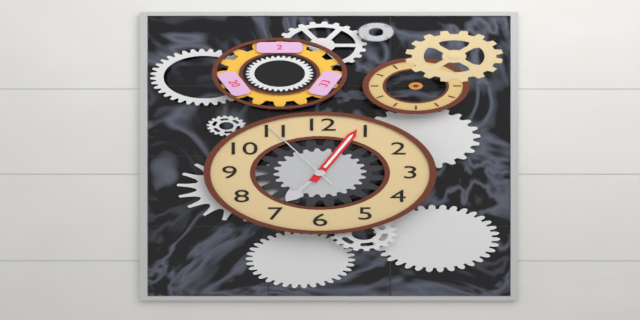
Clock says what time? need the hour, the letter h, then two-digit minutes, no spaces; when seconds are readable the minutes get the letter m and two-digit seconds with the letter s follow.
7h04m55s
